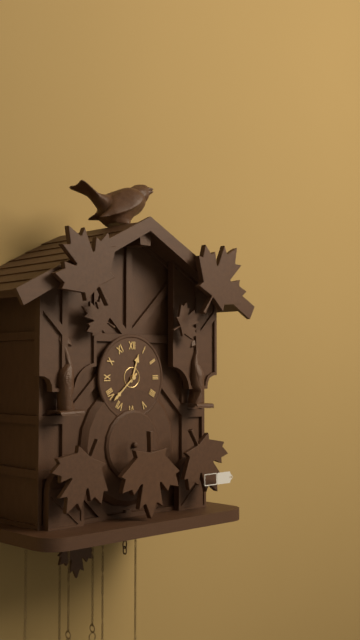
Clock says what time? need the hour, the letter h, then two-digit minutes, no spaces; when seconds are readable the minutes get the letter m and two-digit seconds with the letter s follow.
12h38
